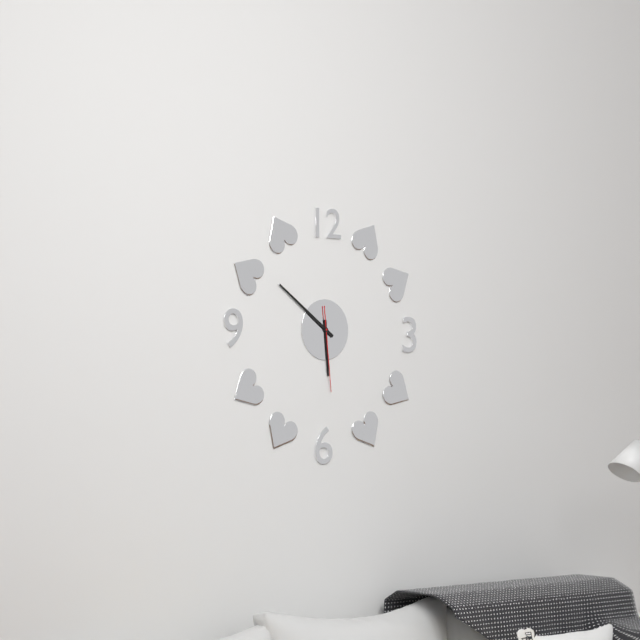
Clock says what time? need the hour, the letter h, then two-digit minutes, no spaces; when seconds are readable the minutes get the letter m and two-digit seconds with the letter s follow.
5h51m29s
